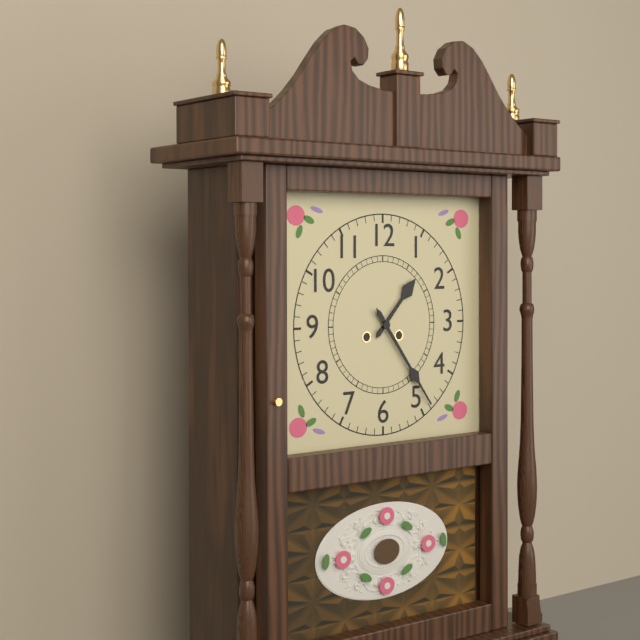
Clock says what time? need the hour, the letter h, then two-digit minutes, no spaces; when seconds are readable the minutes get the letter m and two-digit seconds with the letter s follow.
1h24
